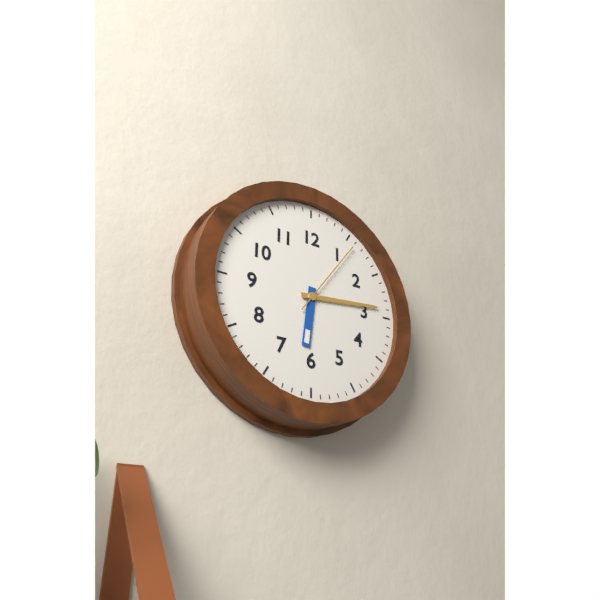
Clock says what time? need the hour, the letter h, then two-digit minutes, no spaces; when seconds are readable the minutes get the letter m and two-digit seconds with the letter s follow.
6h14m06s
